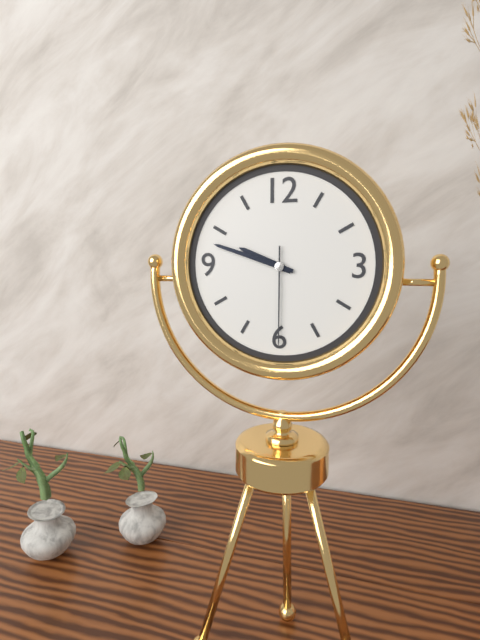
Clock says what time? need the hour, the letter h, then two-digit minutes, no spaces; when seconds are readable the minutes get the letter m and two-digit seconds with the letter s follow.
9h48m30s
